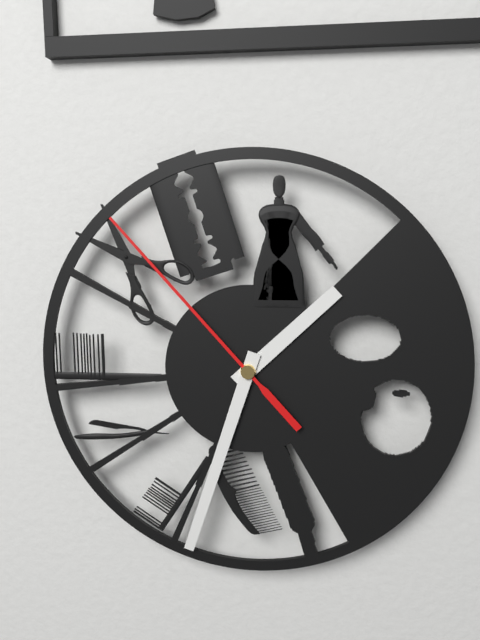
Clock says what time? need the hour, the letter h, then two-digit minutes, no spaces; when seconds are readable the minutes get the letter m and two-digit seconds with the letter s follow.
1h33m53s
